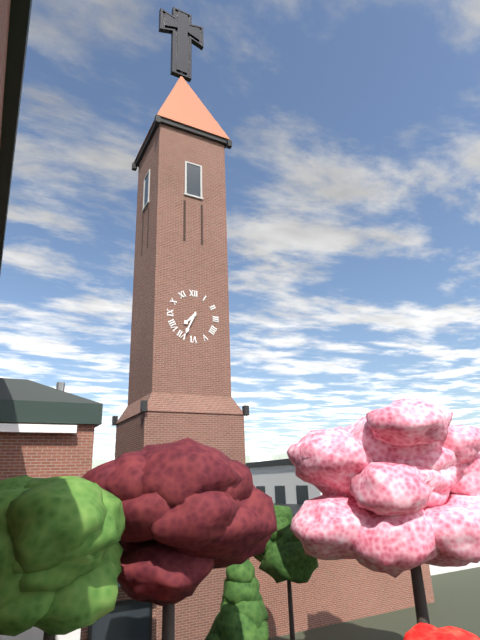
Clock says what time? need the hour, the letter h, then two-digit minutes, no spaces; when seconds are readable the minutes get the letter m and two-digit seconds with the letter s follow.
7h34
